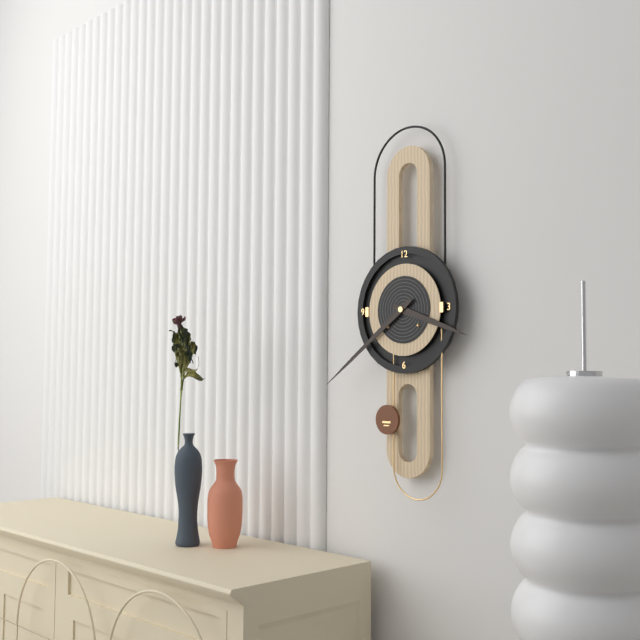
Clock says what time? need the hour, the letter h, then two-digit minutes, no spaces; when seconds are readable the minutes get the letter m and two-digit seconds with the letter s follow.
3h39
